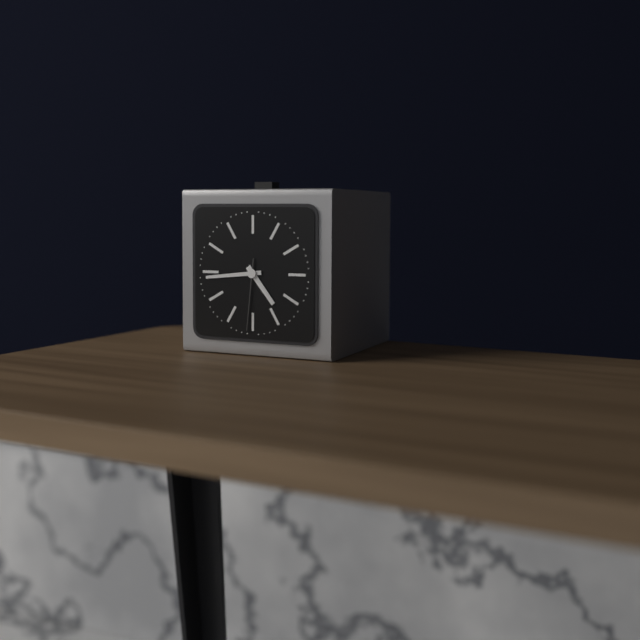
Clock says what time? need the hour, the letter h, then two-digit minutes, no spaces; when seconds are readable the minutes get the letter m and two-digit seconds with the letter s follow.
4h44m31s
